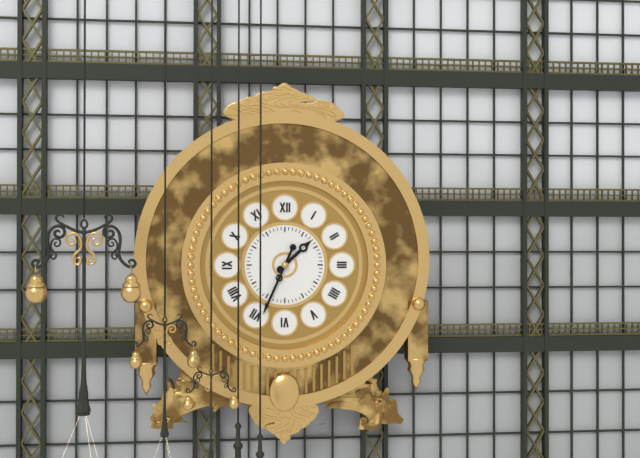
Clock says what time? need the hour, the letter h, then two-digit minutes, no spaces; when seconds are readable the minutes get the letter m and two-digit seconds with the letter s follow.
1h34
